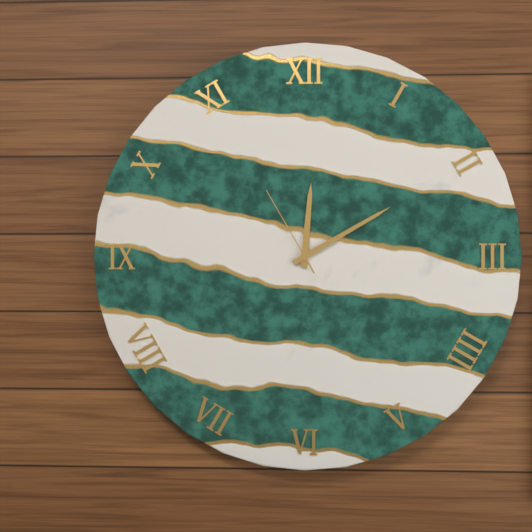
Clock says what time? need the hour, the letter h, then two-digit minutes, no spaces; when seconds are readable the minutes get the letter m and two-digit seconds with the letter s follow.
12h10m55s
